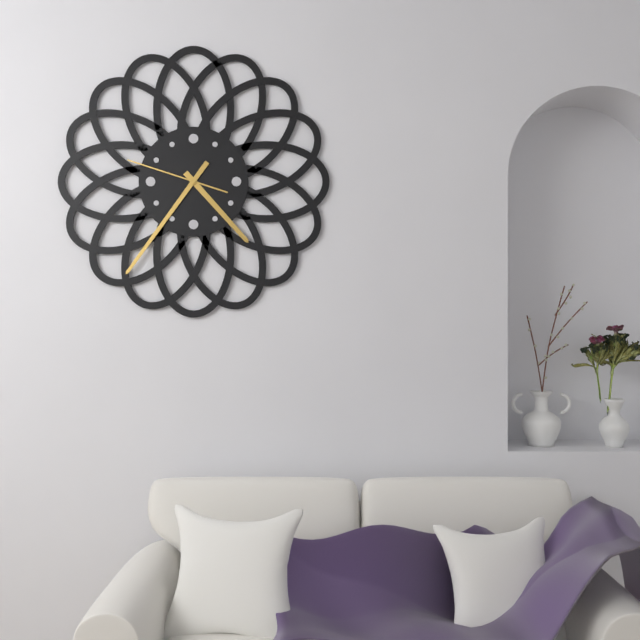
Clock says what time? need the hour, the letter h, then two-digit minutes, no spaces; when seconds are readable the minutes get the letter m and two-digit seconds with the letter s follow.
4h36m48s
